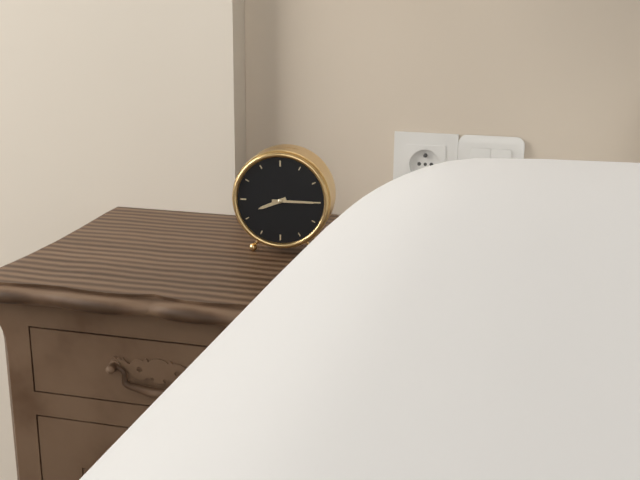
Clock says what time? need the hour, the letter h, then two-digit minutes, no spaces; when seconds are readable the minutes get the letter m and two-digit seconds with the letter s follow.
8h15
